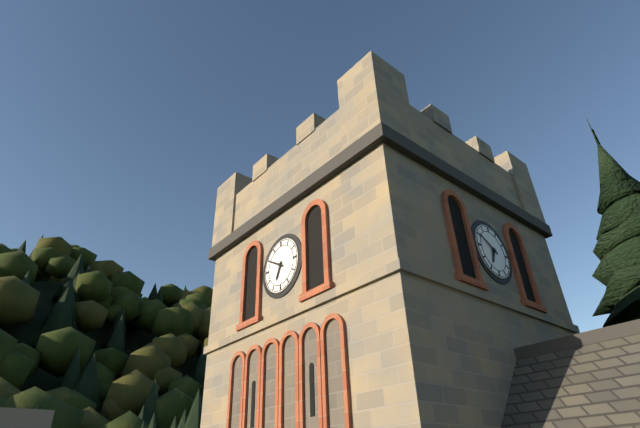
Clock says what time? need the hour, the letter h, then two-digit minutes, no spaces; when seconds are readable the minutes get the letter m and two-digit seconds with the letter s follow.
6h50
